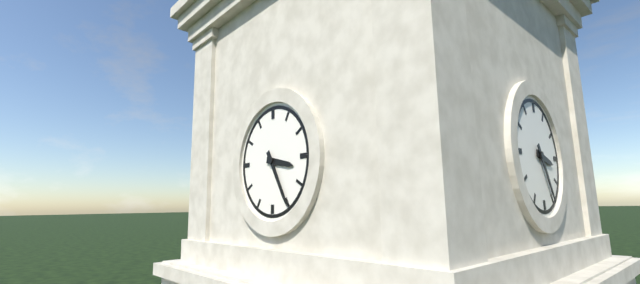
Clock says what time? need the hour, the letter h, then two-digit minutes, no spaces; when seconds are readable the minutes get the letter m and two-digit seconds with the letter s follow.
3h25
